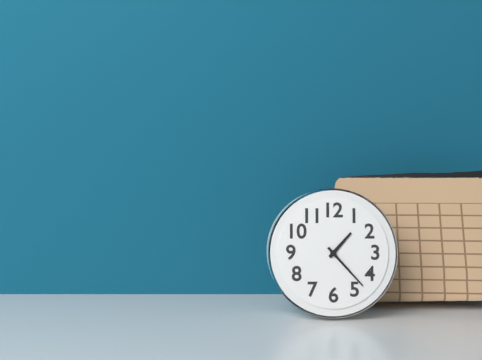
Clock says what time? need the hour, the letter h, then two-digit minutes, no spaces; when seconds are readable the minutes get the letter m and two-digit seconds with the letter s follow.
1h23
